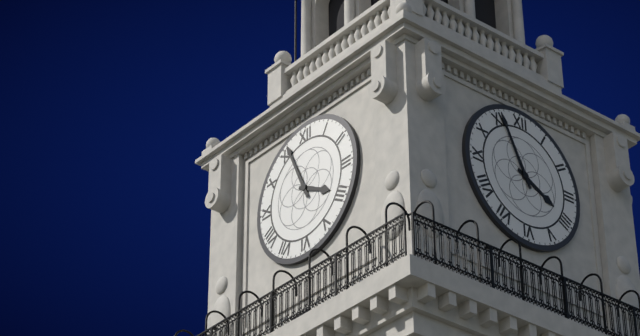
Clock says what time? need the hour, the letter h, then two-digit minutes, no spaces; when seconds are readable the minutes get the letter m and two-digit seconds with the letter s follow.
3h56
